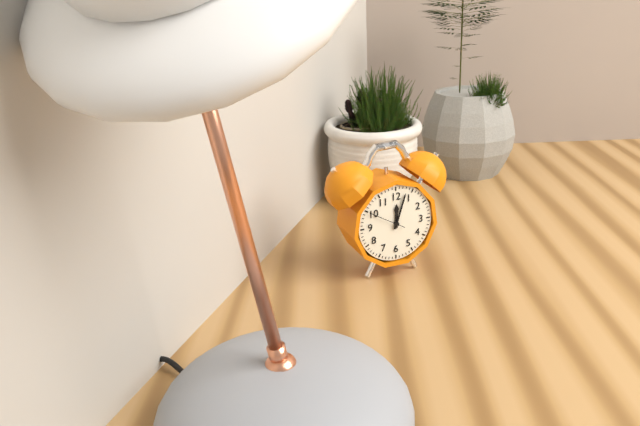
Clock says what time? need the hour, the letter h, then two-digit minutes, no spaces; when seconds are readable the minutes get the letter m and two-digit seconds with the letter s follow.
12h03
